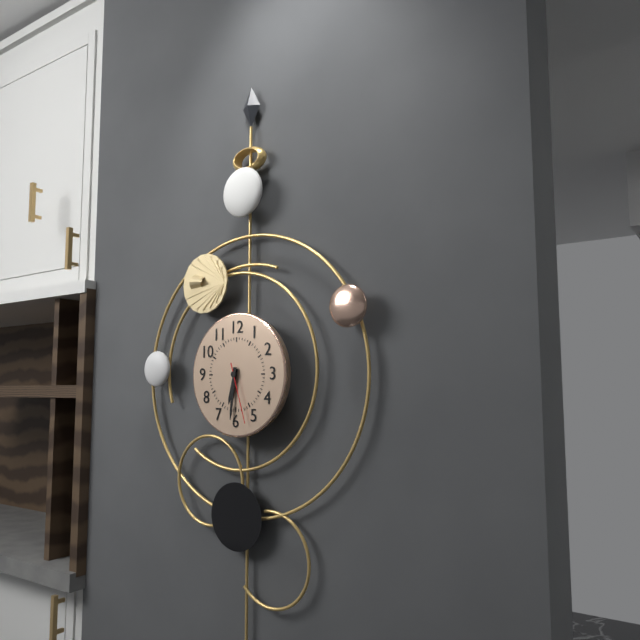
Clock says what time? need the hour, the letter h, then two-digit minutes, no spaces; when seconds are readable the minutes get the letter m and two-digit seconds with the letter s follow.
6h31m27s
